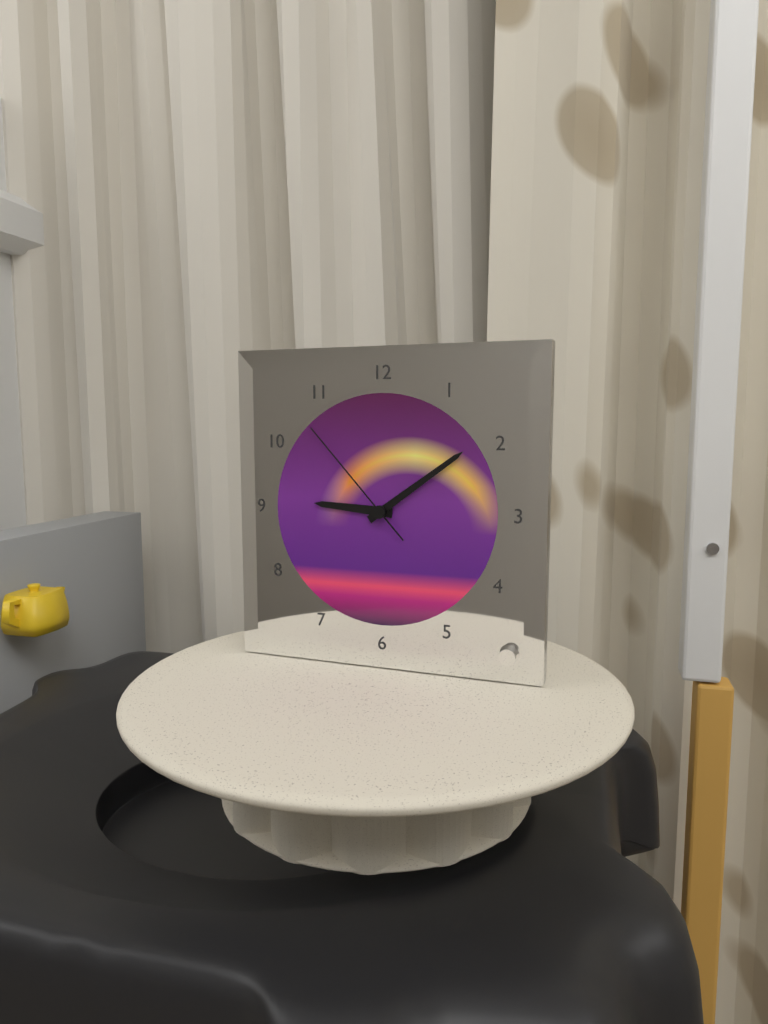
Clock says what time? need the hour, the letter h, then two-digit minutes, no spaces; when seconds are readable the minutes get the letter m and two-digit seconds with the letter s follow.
9h09m53s
